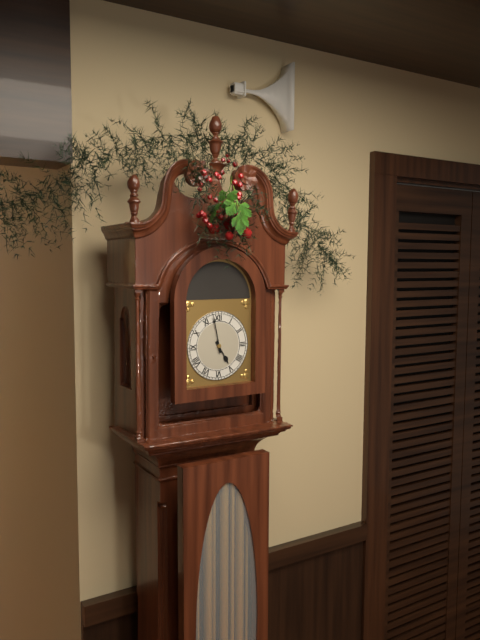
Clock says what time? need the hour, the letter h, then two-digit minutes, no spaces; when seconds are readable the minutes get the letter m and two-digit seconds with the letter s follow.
4h58
